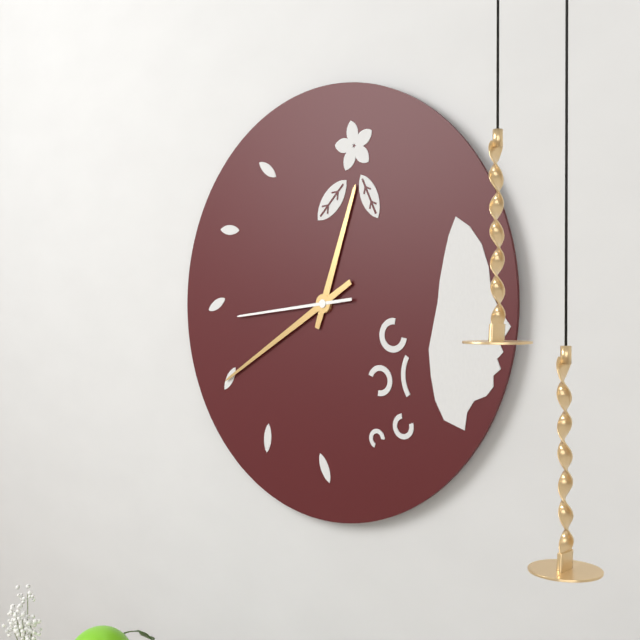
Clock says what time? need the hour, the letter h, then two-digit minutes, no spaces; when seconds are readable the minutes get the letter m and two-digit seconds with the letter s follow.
12h40m44s
